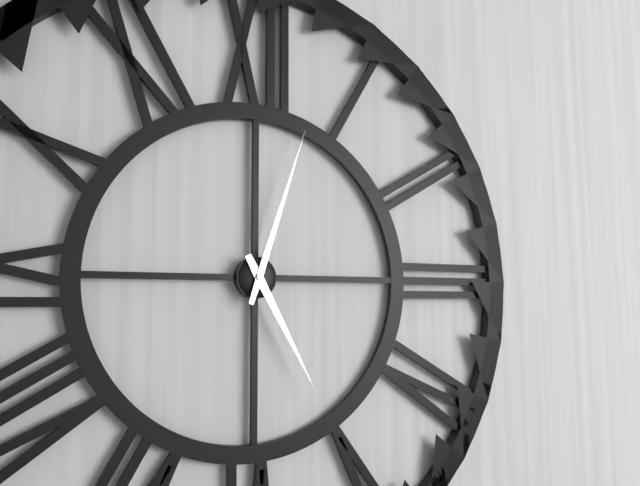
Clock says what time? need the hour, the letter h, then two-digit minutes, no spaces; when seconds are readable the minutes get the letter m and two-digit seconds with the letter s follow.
5h03
